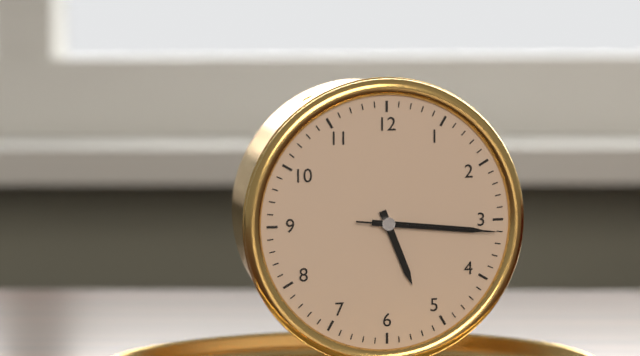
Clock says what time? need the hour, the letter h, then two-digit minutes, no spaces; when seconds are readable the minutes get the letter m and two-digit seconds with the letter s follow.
5h16m16s
